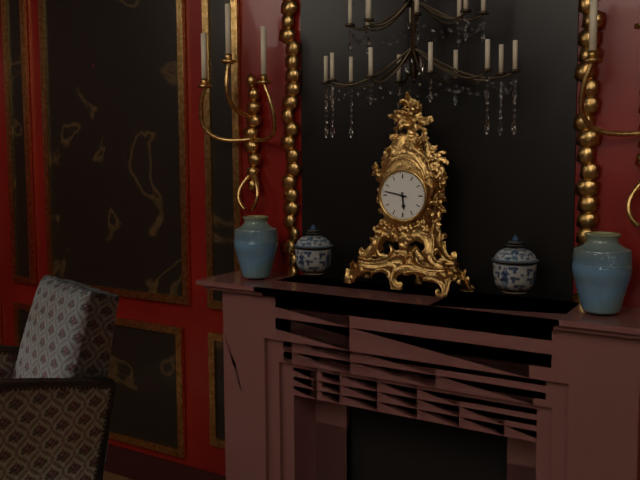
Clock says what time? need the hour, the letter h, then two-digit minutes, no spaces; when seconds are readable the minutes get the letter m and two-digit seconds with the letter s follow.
5h47
